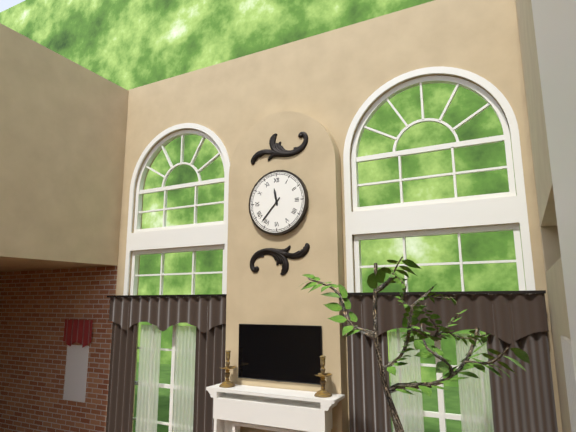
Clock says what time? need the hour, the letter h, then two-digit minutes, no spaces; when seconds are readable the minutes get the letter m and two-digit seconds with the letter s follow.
11h37
